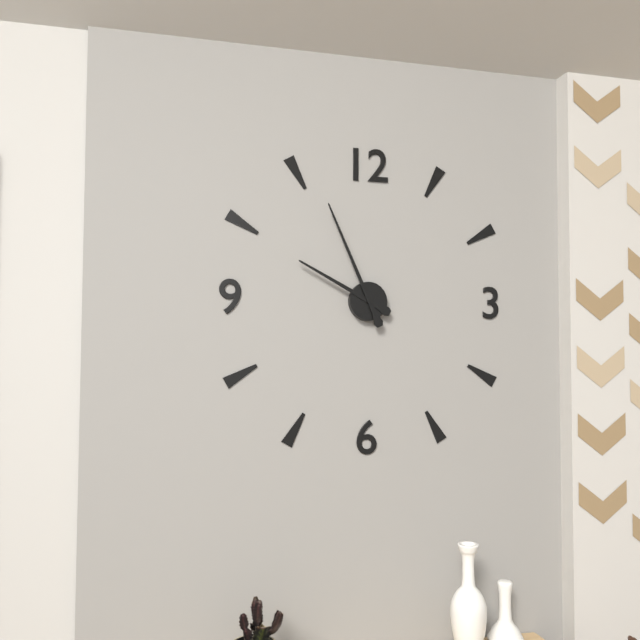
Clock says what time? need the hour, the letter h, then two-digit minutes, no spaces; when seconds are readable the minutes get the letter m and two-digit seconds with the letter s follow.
9h56
